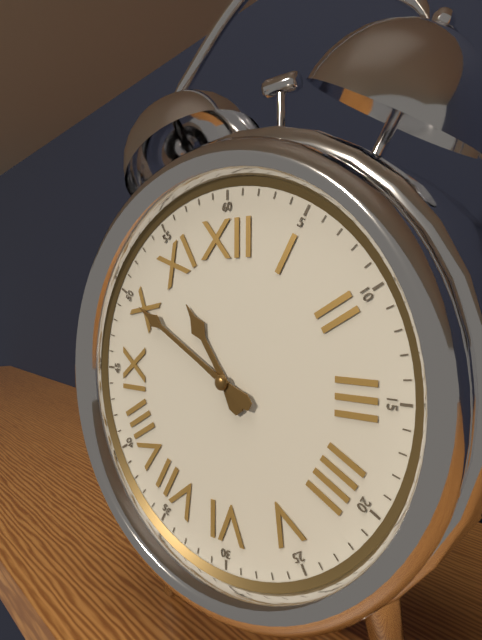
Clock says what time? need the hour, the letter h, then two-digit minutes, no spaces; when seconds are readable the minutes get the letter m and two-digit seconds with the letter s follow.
10h50
